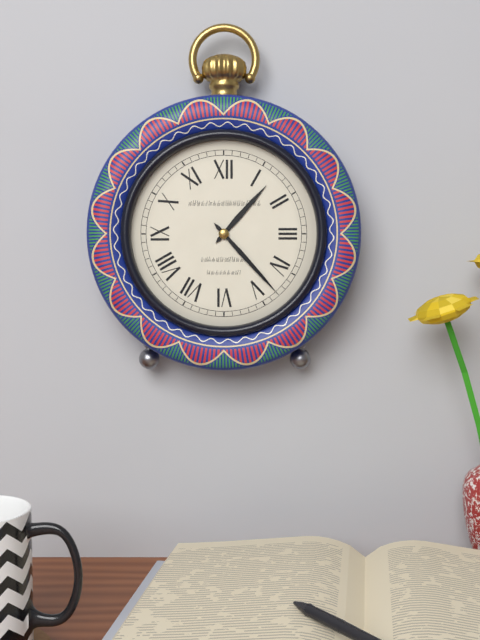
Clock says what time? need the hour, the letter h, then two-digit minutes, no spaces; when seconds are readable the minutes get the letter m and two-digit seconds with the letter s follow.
1h23
